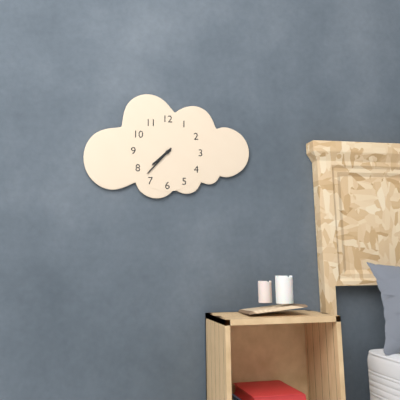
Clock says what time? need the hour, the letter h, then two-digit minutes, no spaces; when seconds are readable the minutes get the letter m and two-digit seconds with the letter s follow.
7h37
